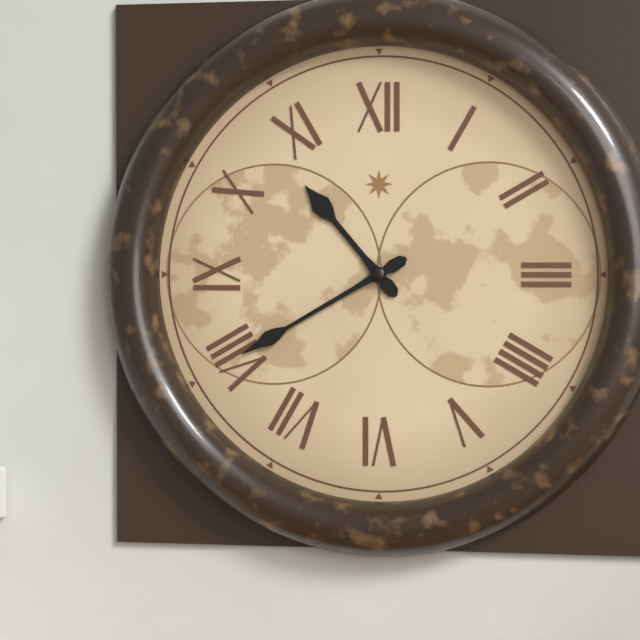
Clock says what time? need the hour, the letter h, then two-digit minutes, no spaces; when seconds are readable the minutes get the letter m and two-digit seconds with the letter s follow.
10h40
